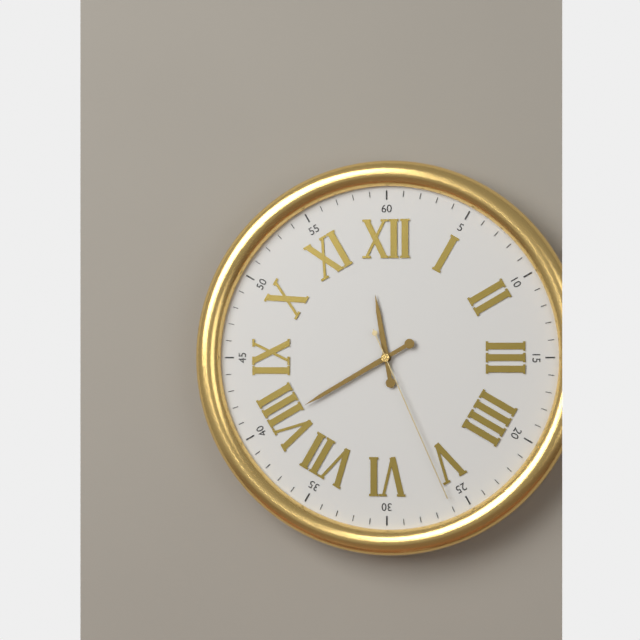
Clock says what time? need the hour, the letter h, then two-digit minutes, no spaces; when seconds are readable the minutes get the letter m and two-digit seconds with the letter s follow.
11h40m26s
